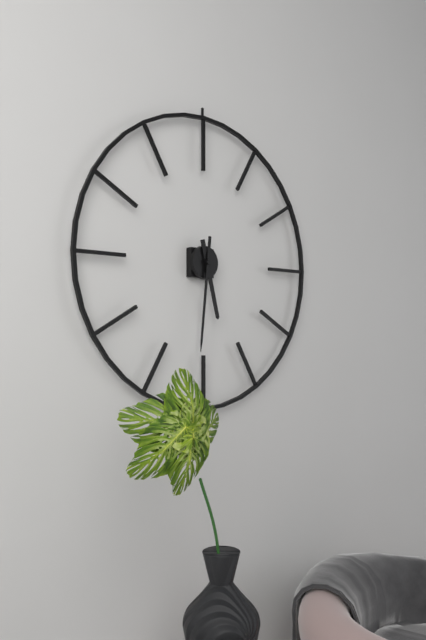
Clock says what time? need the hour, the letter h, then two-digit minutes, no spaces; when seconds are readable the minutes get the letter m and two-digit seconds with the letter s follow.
5h31
